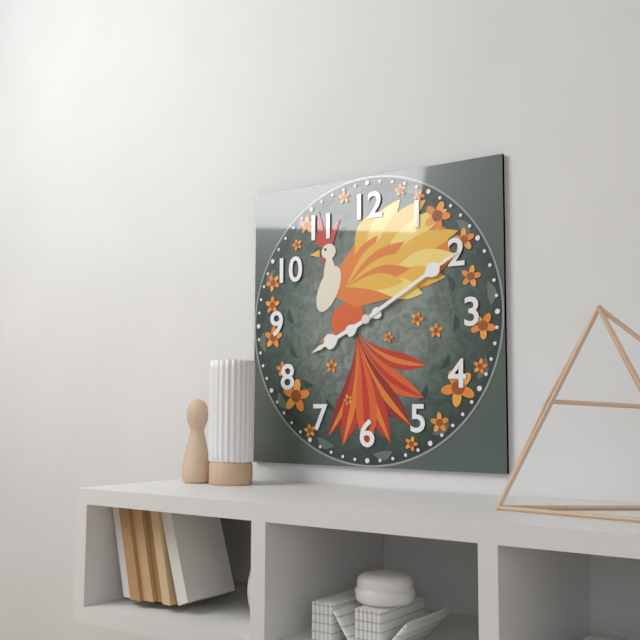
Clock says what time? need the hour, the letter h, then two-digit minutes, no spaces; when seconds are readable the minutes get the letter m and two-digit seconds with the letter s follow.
8h10
